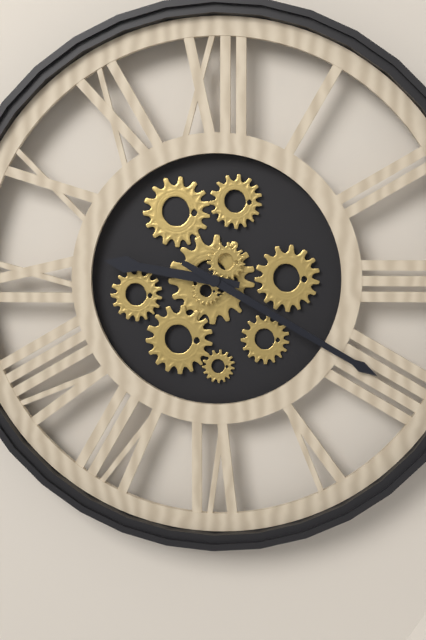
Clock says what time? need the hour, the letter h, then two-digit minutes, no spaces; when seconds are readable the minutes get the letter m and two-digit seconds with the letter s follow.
9h20
